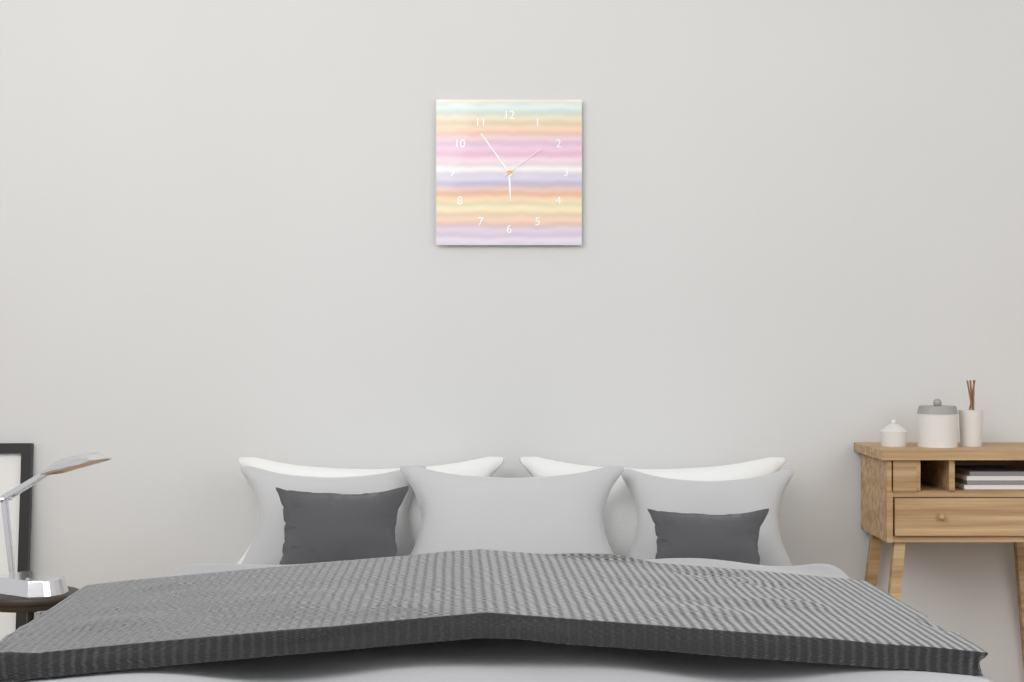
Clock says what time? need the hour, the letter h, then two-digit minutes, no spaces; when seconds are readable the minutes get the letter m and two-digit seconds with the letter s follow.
5h54
